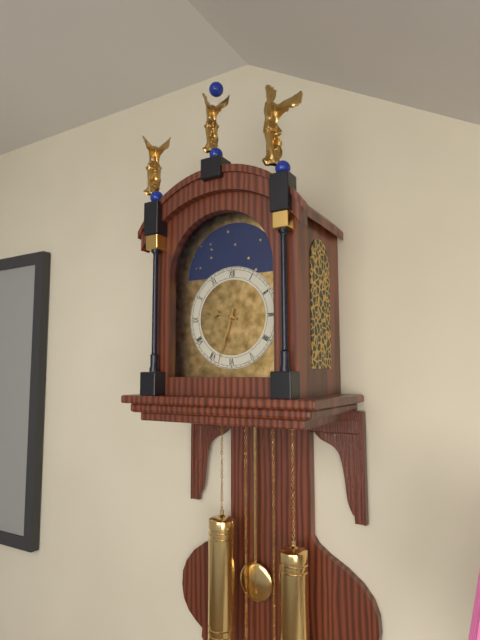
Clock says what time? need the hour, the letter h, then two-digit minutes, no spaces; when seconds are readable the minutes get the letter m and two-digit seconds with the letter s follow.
9h33
